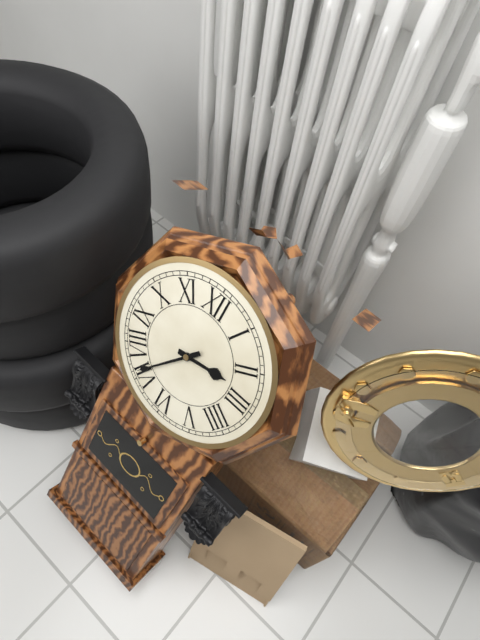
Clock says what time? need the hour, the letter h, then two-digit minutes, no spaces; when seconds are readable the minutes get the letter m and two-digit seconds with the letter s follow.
2h36
